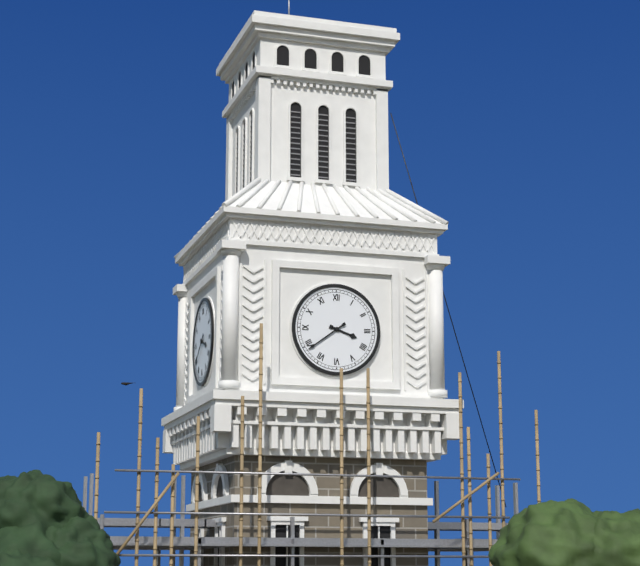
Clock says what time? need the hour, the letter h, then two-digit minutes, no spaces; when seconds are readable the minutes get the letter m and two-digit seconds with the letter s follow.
3h39
